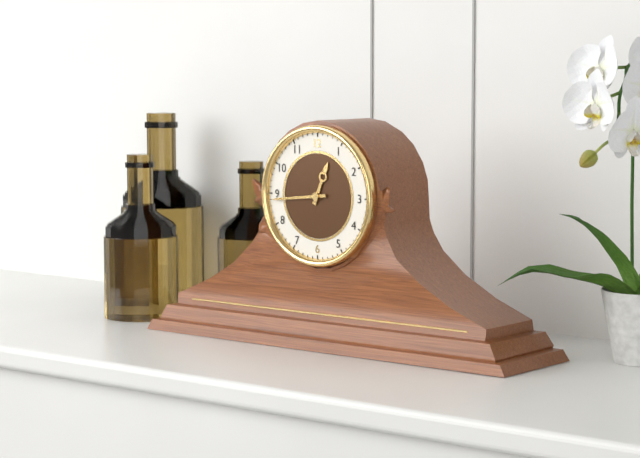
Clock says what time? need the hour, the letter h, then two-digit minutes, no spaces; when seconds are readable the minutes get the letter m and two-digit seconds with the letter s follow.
12h44
